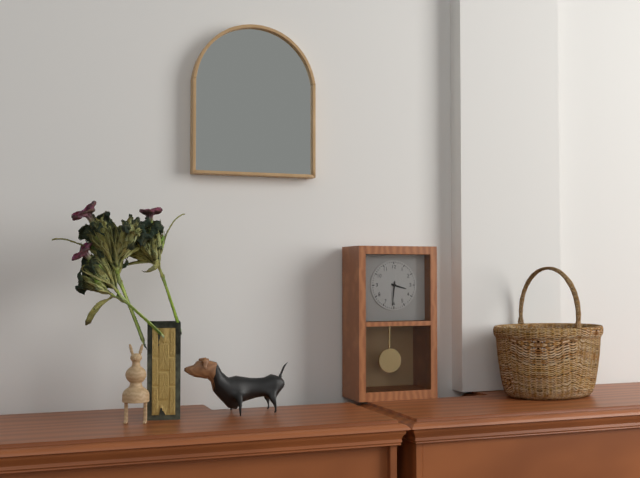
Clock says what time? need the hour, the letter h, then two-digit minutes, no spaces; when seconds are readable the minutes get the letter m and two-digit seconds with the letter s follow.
3h31
